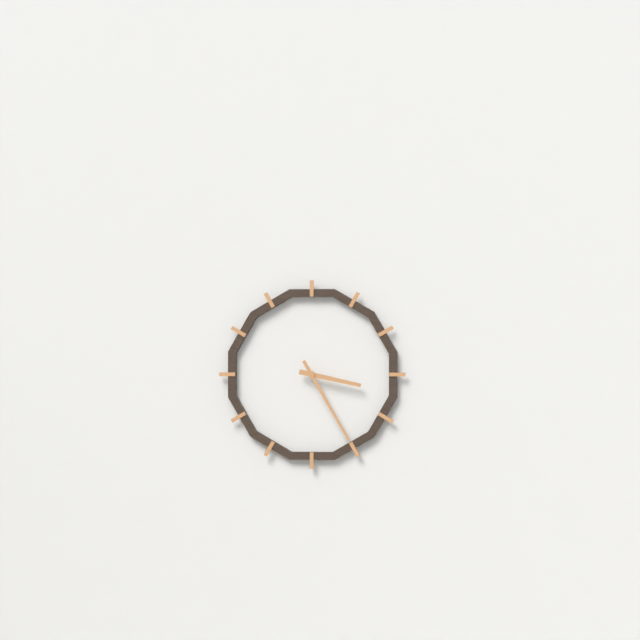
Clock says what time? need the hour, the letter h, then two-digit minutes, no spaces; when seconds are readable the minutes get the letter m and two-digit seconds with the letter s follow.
3h25
